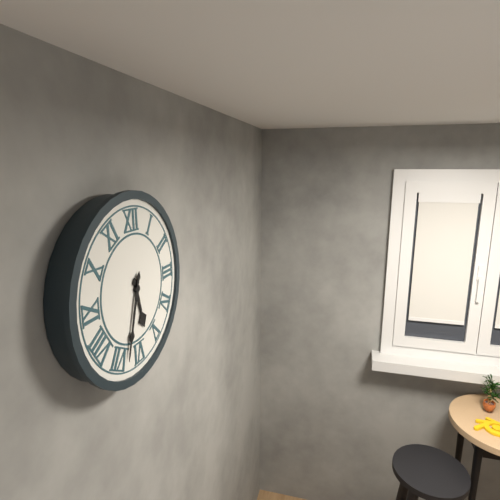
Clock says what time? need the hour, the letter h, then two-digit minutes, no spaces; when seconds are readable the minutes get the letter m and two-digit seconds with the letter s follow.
5h33
